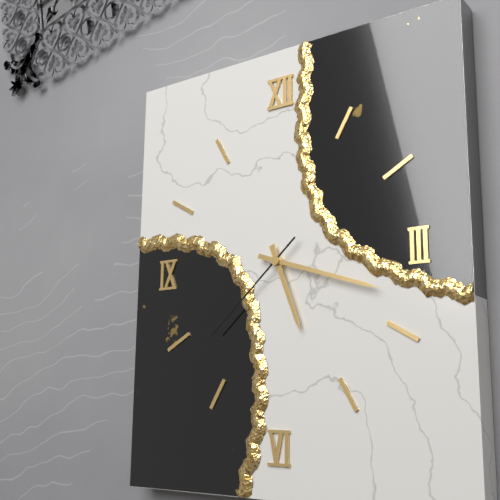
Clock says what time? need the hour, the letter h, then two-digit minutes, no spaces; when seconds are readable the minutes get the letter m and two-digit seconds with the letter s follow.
5h18m38s
